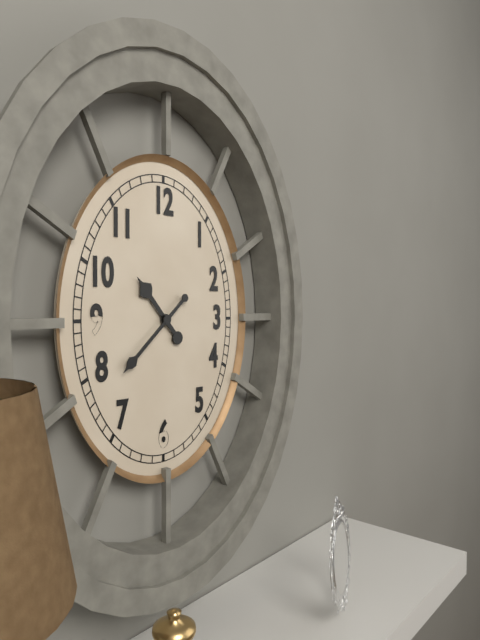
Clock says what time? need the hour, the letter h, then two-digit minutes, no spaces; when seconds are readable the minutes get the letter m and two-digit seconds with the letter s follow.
10h38
